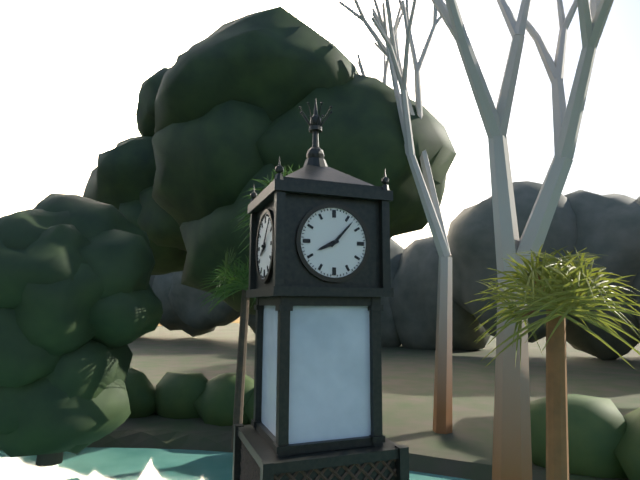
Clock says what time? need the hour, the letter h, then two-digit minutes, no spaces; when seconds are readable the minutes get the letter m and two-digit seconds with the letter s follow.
8h07
